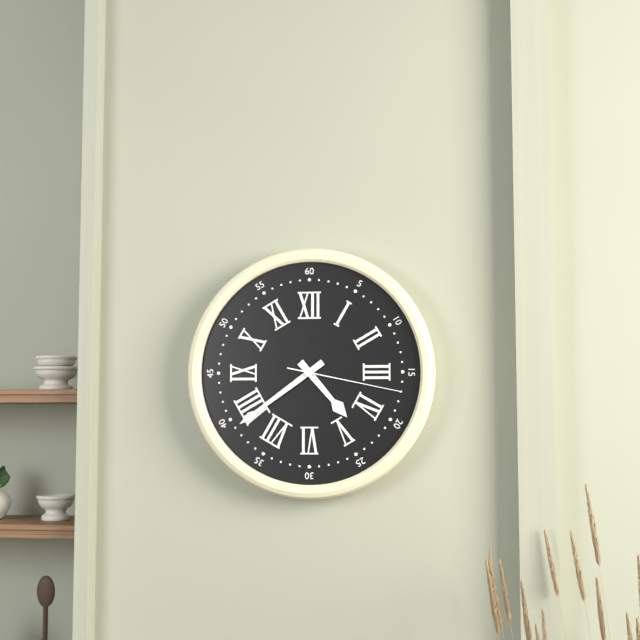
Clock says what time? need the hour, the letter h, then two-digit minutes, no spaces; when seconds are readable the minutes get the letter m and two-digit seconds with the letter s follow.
4h39m17s
